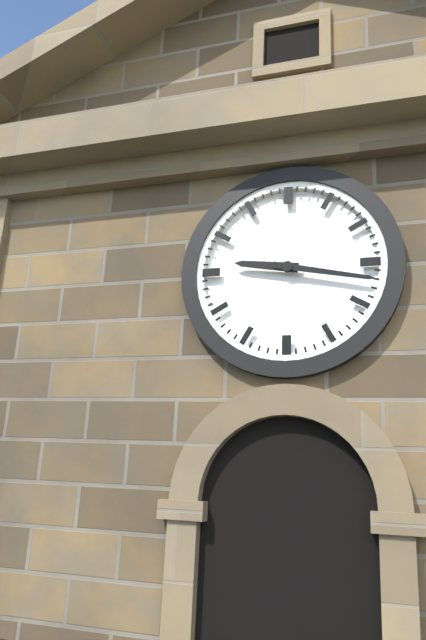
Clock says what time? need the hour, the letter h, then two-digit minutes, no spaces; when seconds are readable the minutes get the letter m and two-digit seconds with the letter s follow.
9h17
